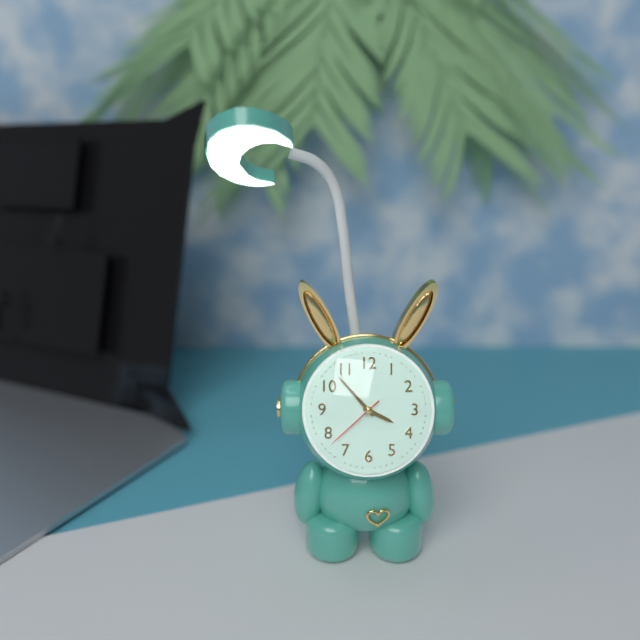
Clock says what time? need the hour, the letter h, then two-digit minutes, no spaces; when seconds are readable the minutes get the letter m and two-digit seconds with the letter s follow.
3h53m38s
